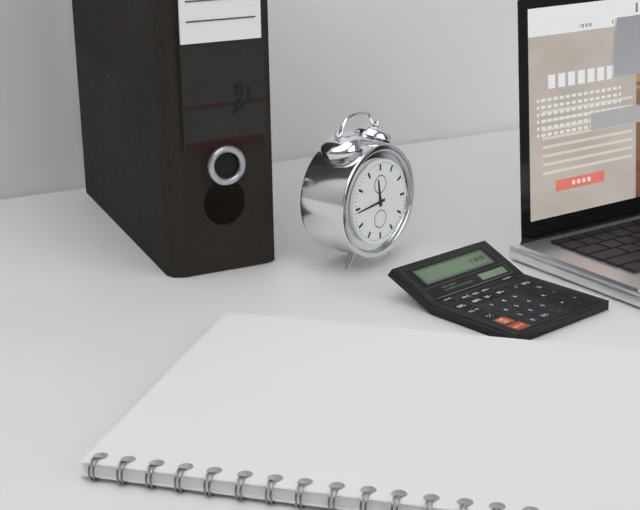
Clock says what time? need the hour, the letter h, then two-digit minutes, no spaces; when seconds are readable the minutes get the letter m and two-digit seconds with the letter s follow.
11h44
